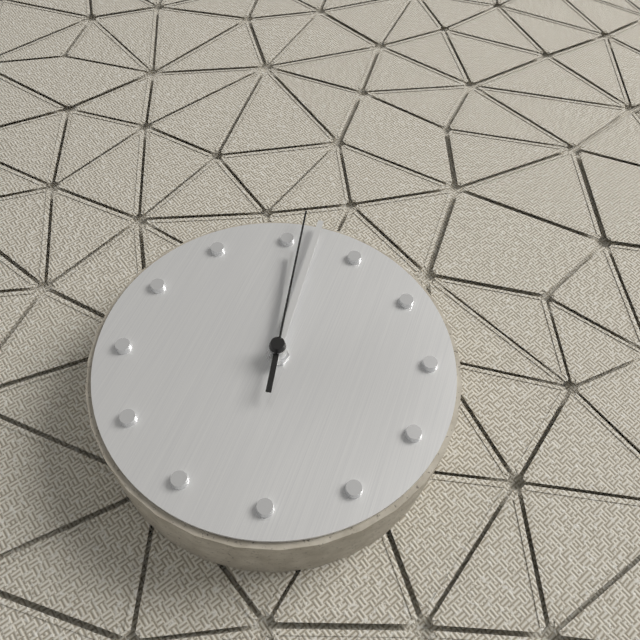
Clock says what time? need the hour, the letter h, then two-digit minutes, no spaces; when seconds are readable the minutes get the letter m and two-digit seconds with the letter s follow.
1h07m06s
